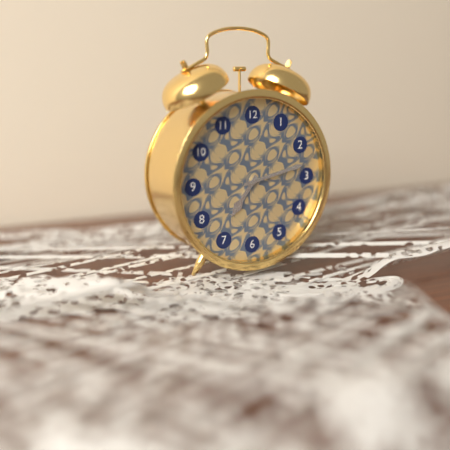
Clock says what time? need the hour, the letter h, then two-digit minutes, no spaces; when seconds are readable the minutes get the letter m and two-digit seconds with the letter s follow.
7h13
